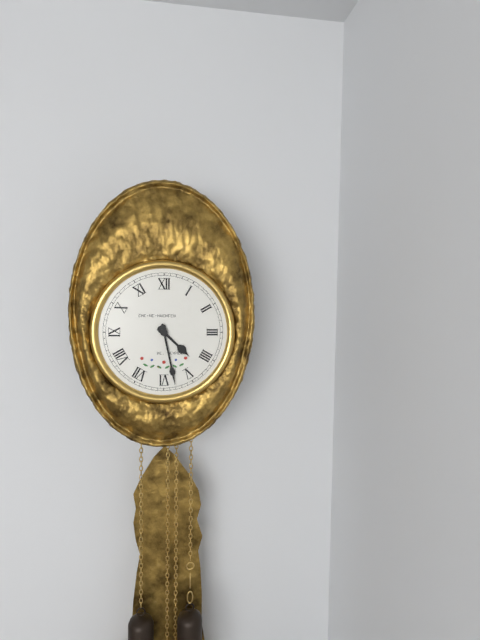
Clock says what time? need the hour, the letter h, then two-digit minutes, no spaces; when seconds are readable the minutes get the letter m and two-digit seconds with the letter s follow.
4h28
